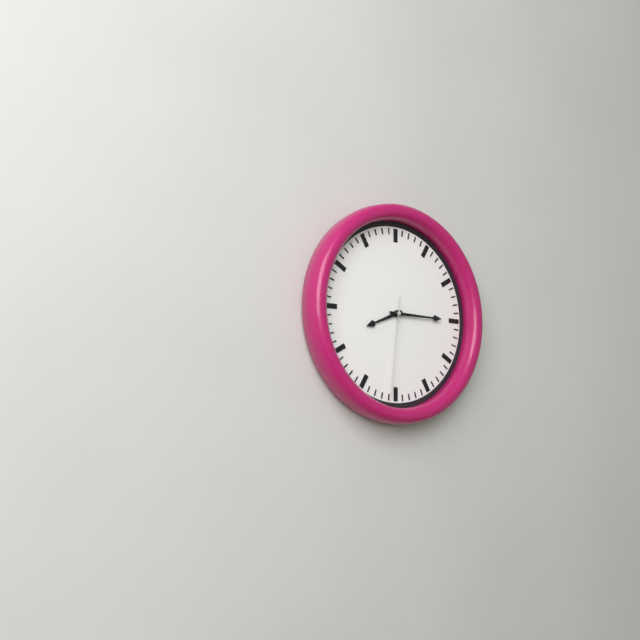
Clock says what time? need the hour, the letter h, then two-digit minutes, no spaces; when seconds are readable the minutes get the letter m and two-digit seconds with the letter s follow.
8h15m31s
